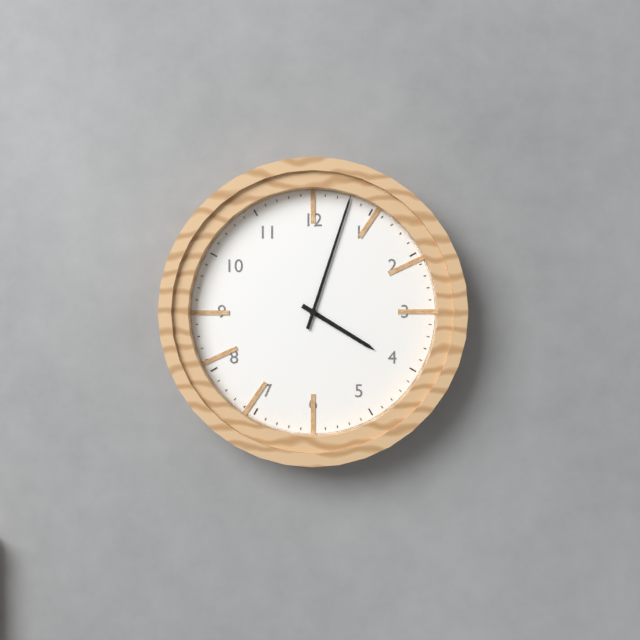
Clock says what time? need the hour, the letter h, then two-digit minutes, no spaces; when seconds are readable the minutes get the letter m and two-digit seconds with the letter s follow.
4h03
